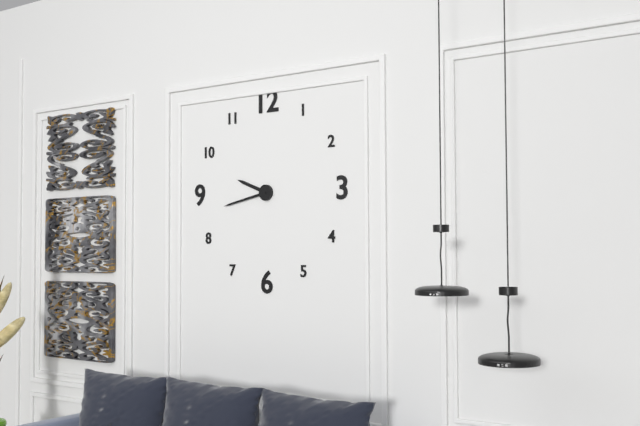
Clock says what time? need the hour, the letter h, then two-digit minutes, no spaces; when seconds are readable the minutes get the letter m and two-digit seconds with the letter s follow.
9h43
